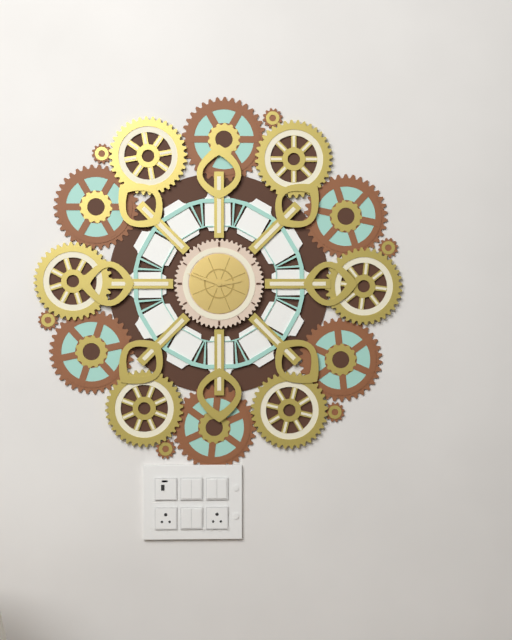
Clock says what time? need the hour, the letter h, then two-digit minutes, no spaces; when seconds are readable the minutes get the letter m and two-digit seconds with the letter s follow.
2h48
